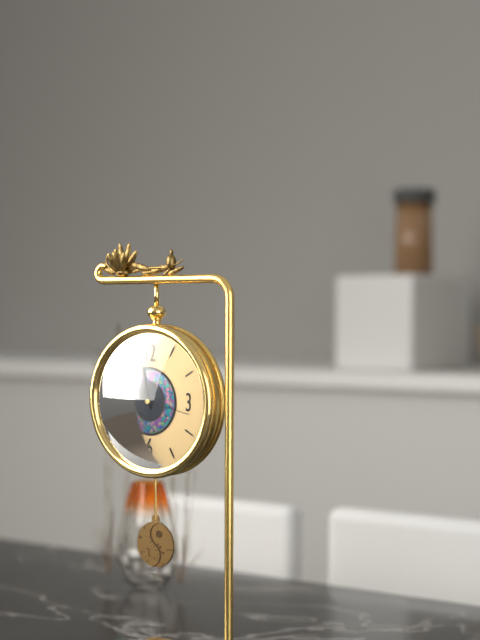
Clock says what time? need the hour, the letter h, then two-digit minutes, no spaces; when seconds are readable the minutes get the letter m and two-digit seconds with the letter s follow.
9h58
